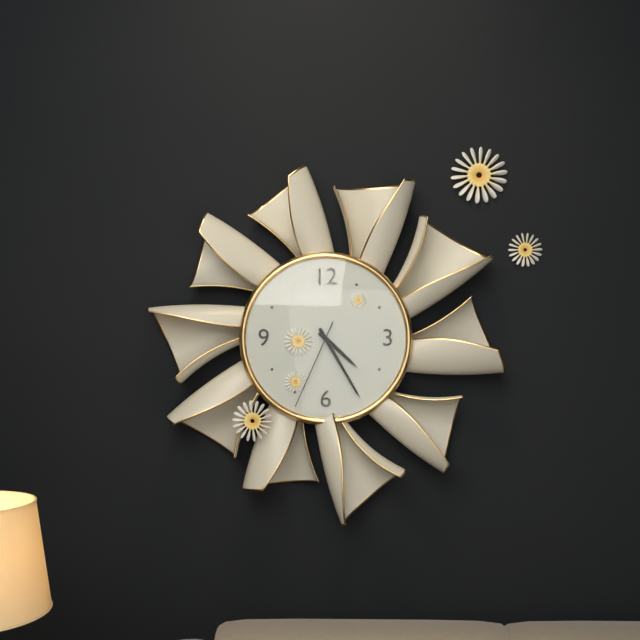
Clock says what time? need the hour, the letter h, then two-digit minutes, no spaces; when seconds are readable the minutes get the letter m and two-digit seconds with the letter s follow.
4h25m34s
